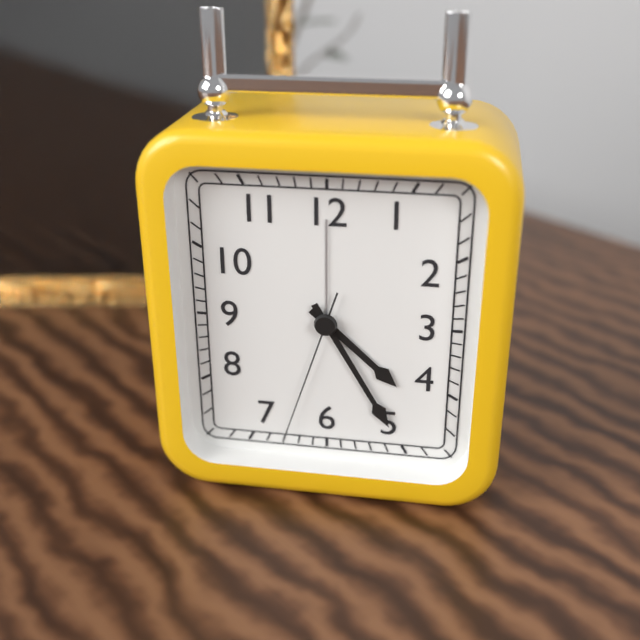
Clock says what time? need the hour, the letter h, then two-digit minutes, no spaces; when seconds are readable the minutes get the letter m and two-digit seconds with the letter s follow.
4h25m33s
